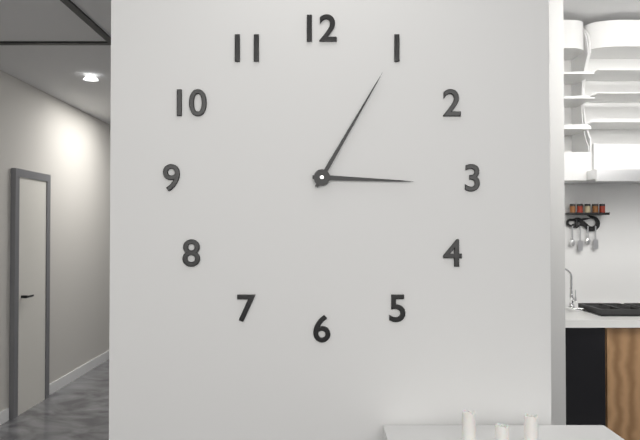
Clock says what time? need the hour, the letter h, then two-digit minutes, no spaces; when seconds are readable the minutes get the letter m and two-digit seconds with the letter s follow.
3h05
